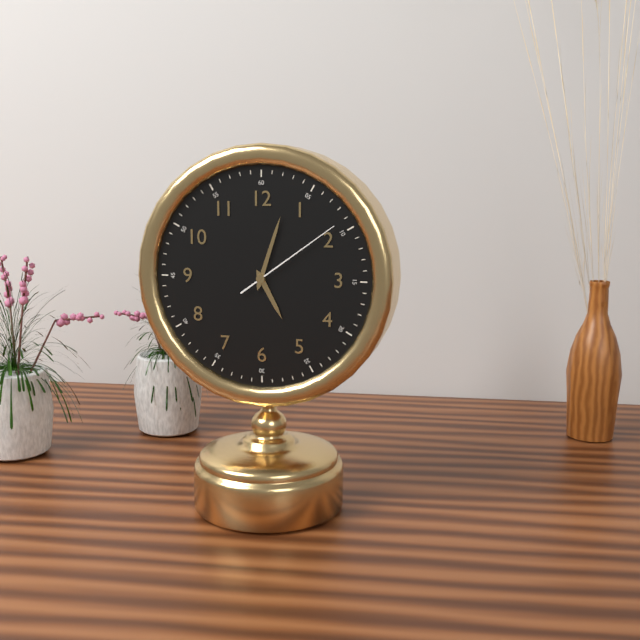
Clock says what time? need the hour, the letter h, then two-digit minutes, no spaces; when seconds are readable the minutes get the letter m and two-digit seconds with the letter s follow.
5h03m09s
